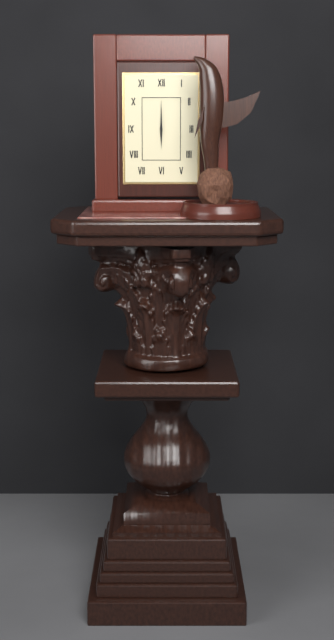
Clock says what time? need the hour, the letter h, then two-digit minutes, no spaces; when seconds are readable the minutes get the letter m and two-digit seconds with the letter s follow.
6h00
